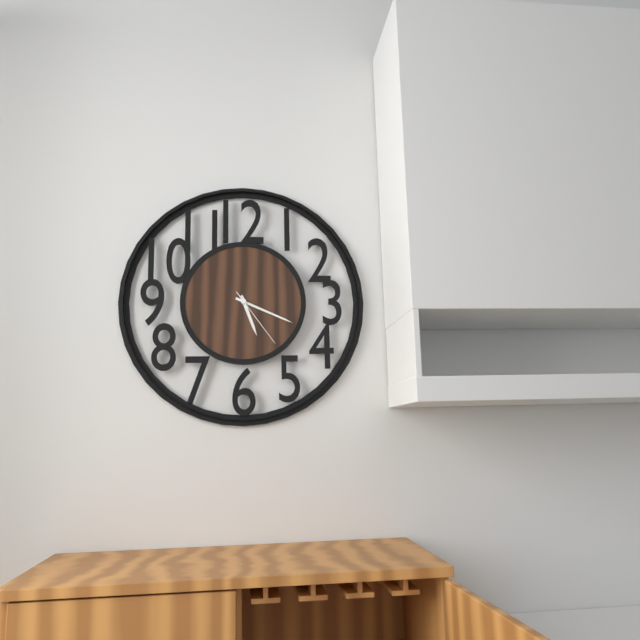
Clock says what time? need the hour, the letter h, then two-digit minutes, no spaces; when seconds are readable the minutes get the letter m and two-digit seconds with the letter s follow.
5h19m24s
